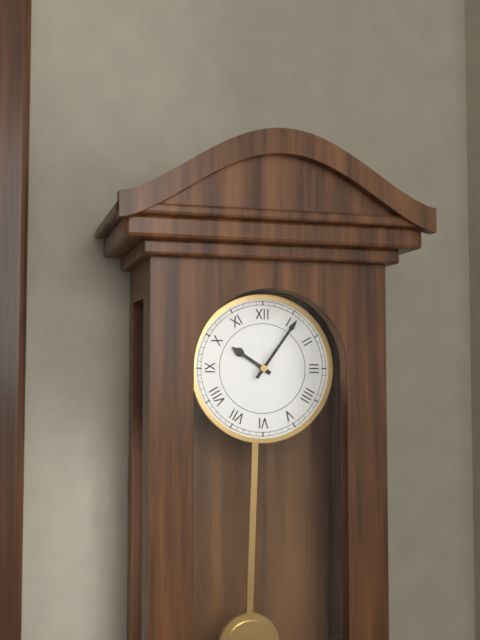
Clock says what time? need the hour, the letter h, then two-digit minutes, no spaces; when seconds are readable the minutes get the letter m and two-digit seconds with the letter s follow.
10h06
